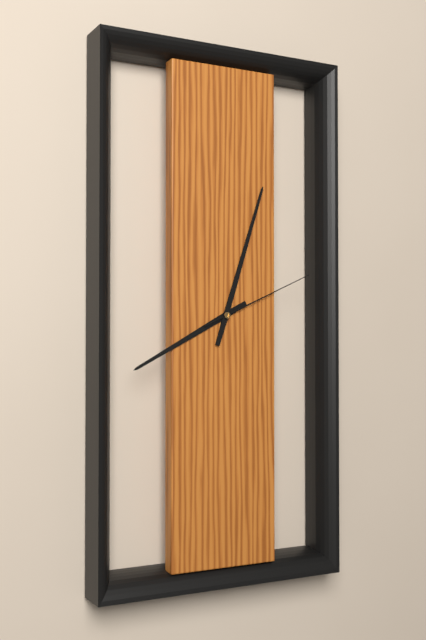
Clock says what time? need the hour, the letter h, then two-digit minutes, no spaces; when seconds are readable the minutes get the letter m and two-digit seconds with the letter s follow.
8h03m11s
